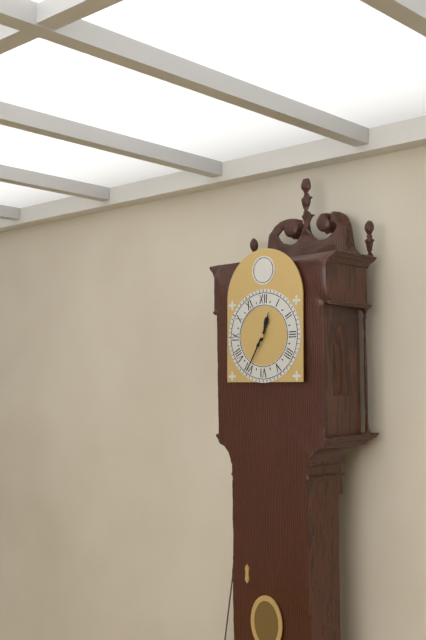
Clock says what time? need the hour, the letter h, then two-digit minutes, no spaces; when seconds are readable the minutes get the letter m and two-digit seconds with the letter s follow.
12h35
